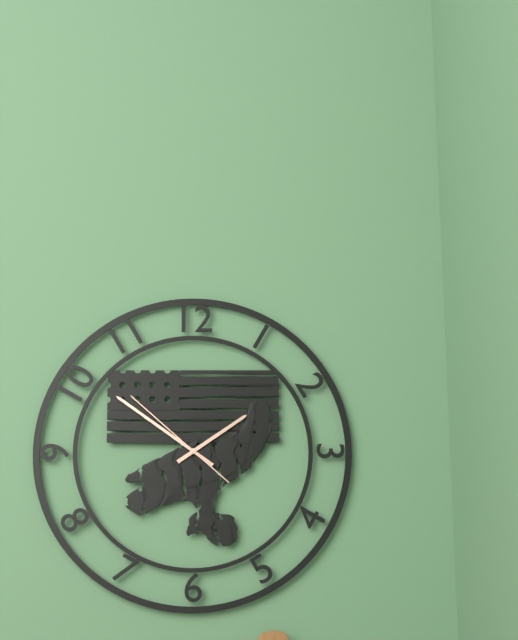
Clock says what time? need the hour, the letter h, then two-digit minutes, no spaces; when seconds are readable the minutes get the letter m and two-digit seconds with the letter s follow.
1h51m52s
